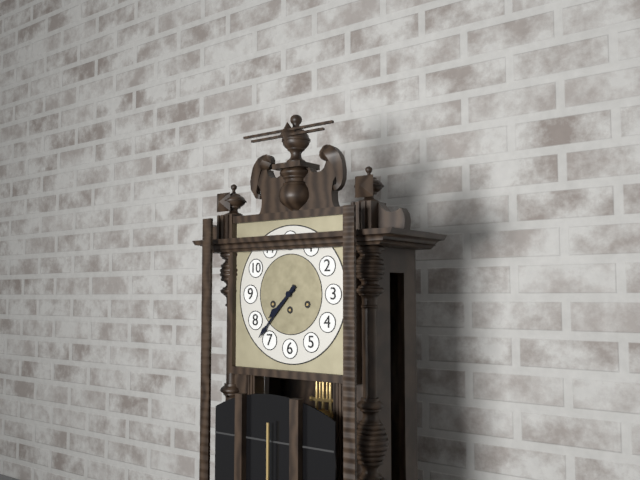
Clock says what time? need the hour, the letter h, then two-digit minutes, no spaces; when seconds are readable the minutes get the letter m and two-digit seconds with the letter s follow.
7h37
